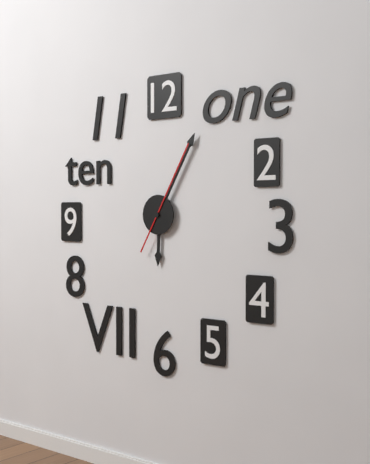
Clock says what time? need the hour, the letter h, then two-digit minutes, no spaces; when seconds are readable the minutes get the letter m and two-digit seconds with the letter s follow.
6h05m05s
